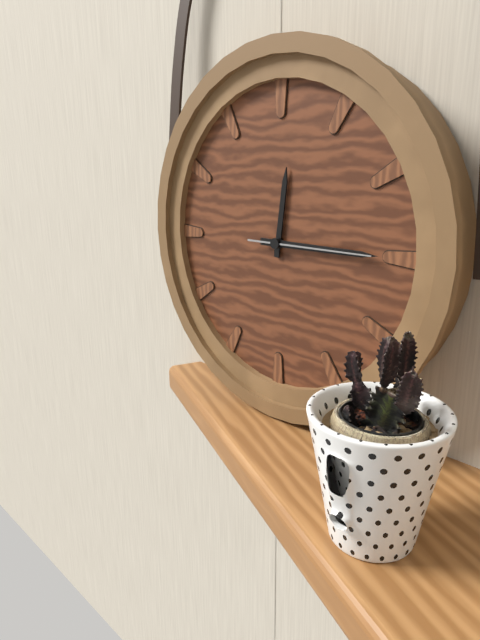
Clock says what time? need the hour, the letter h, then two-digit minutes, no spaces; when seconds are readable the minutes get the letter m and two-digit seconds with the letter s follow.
12h15m15s
